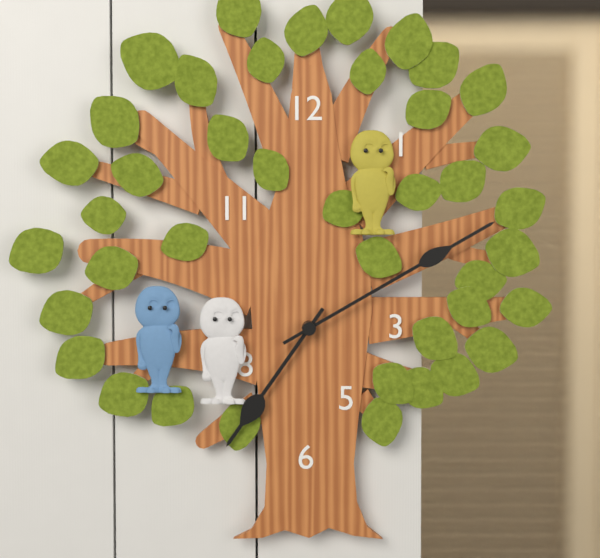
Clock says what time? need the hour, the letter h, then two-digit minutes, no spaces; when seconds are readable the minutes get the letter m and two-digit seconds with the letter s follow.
7h10
